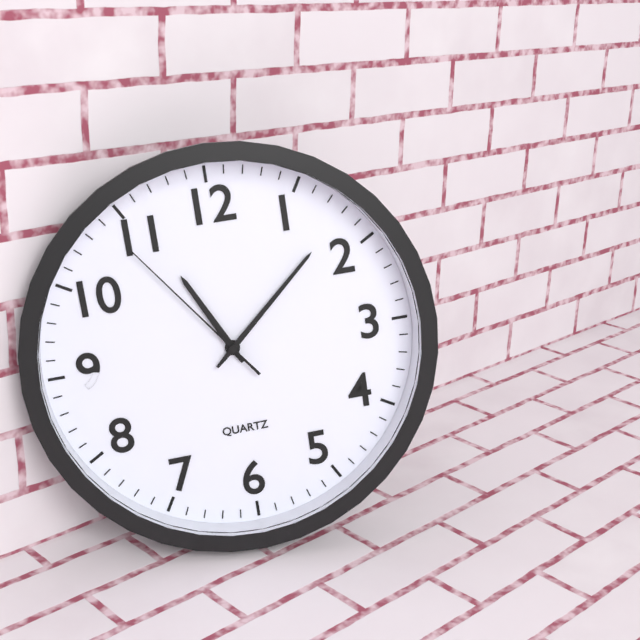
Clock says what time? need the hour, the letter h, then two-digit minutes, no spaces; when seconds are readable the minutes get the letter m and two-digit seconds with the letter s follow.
11h08m54s
